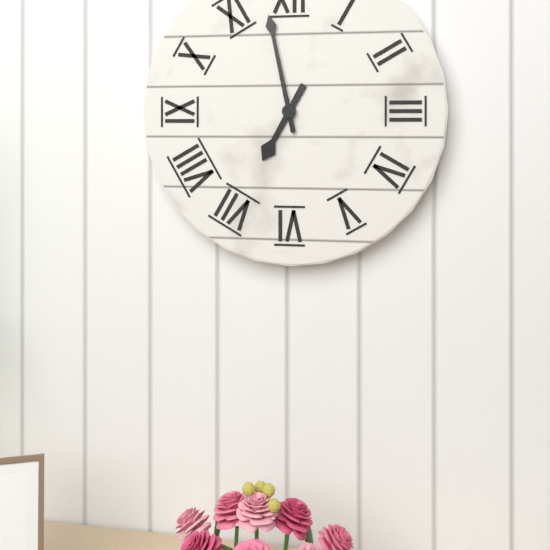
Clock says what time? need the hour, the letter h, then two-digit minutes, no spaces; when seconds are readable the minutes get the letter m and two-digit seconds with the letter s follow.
6h58
